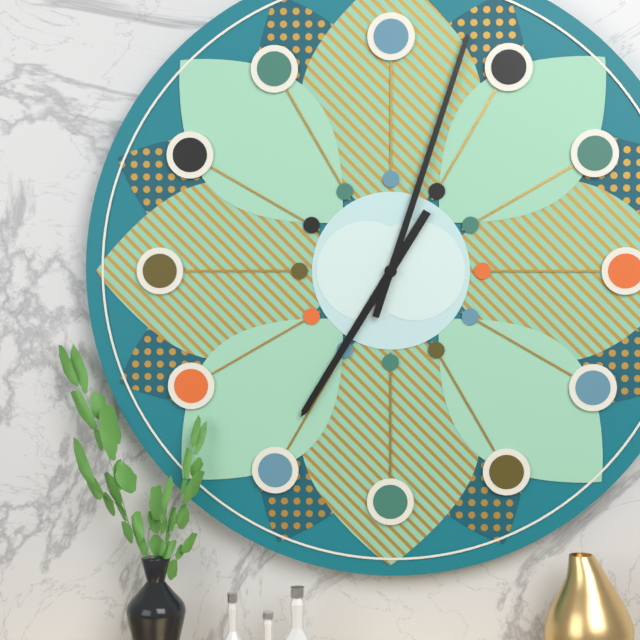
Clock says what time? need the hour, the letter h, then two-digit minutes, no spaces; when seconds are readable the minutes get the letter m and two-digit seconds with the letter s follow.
7h03
